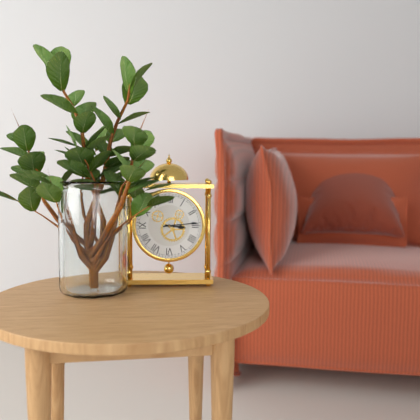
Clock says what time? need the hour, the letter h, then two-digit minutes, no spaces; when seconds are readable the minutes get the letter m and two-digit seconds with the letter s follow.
3h14
